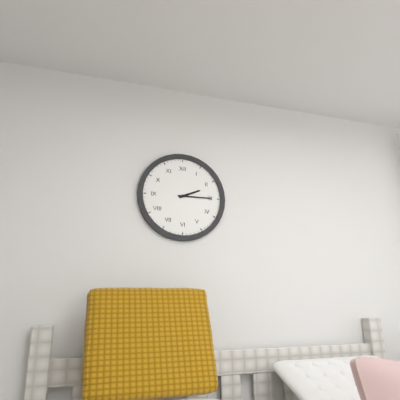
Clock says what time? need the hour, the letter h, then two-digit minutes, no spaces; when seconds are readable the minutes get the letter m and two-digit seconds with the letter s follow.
2h15
